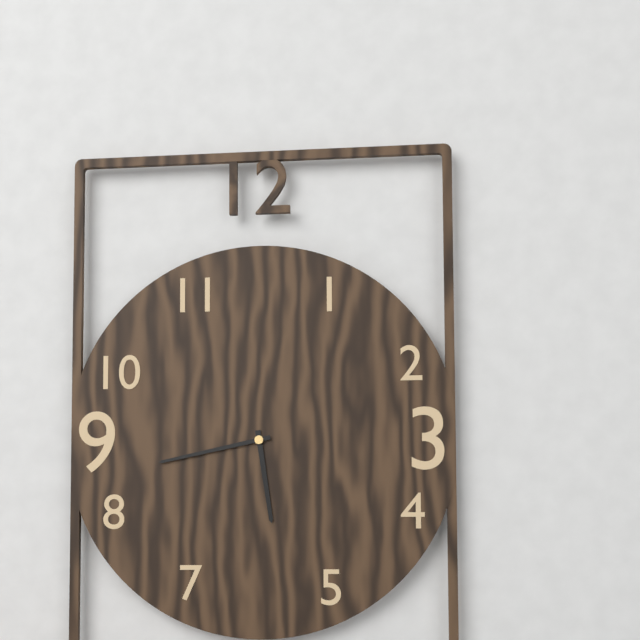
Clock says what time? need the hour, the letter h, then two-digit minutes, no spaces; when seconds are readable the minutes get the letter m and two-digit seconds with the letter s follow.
5h43
